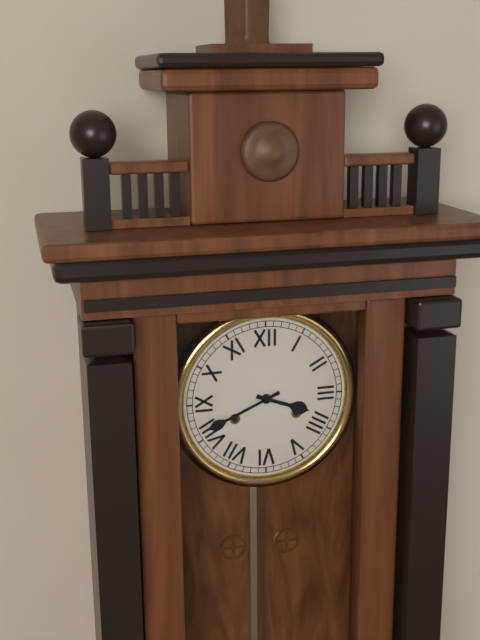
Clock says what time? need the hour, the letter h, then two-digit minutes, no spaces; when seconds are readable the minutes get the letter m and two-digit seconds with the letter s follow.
3h41
